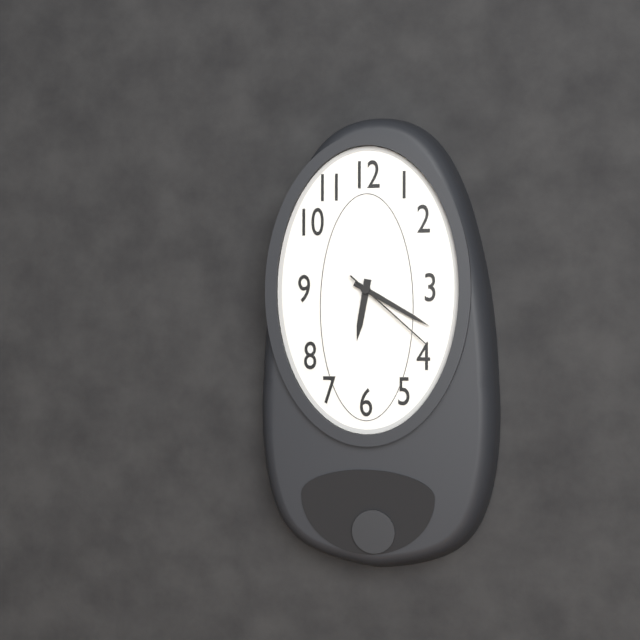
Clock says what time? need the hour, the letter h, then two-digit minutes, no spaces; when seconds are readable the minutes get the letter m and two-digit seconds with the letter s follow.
6h20m22s
